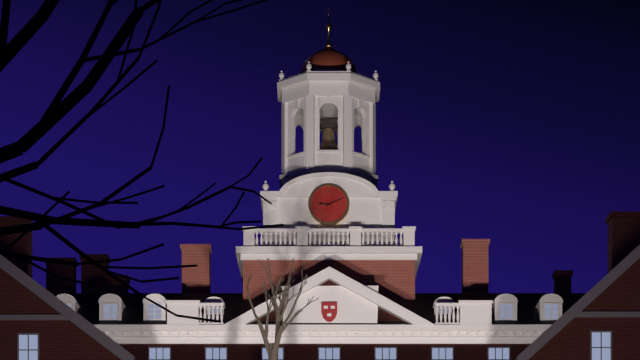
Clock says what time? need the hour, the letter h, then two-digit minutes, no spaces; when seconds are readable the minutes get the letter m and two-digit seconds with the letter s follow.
9h11
